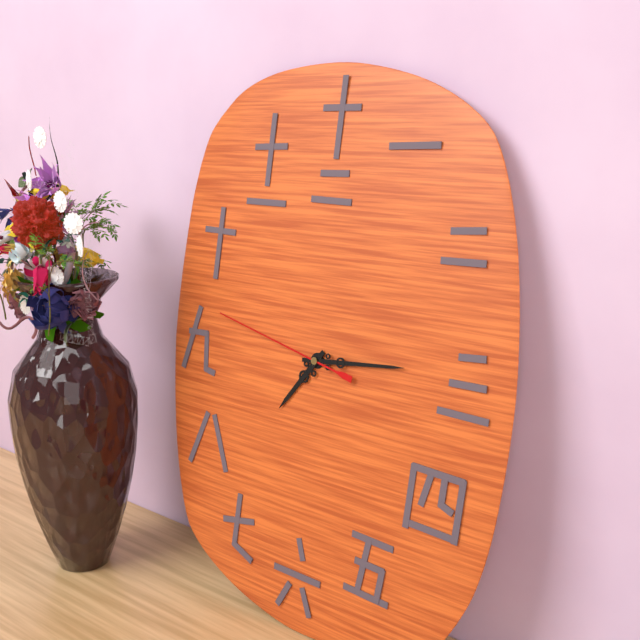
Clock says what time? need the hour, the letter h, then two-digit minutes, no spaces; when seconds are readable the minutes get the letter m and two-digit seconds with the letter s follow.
7h14m47s
